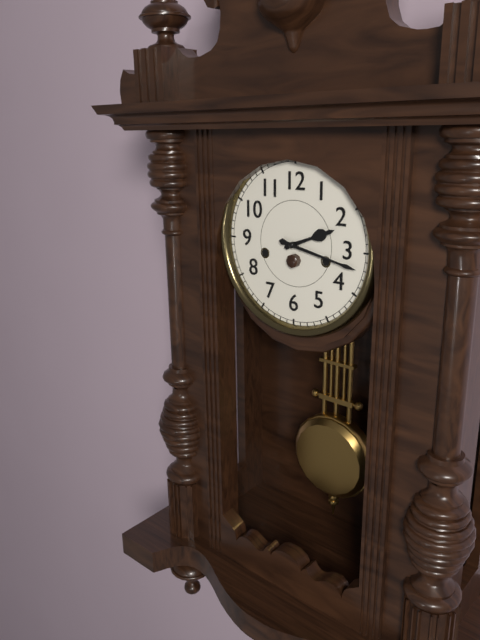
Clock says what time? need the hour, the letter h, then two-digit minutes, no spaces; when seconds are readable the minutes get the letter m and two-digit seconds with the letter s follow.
2h17
